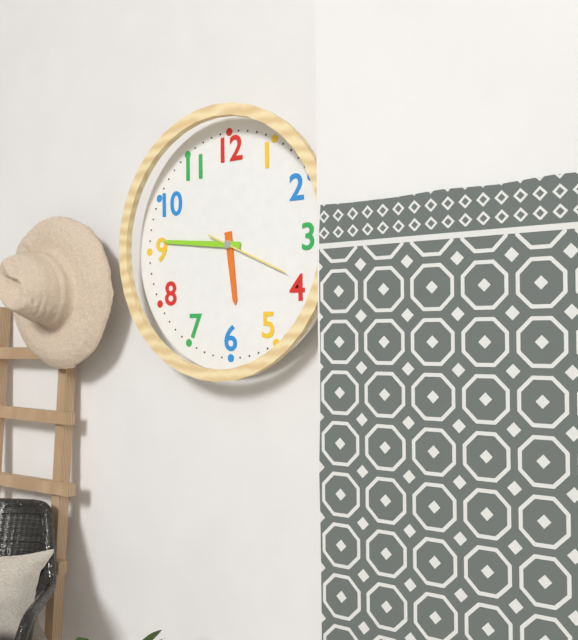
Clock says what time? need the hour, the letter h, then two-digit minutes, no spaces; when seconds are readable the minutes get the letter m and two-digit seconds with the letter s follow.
5h46m19s
